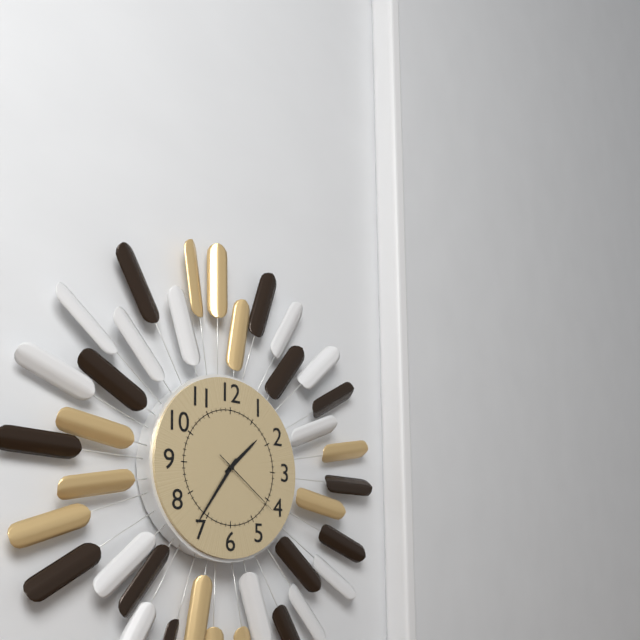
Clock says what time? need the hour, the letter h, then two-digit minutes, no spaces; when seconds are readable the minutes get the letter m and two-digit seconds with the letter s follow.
1h36m21s
